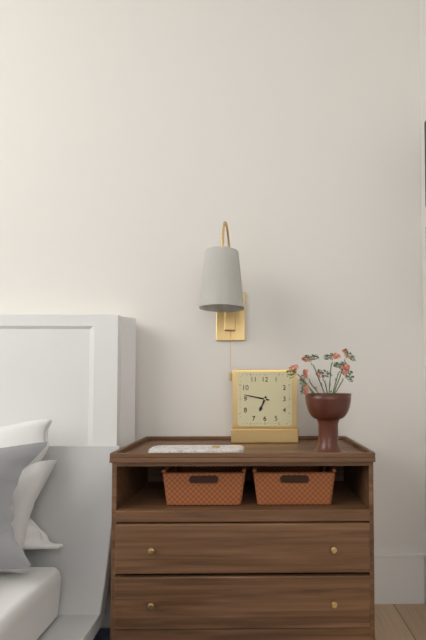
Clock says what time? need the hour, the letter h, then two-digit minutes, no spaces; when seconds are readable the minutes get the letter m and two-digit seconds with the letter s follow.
6h47
